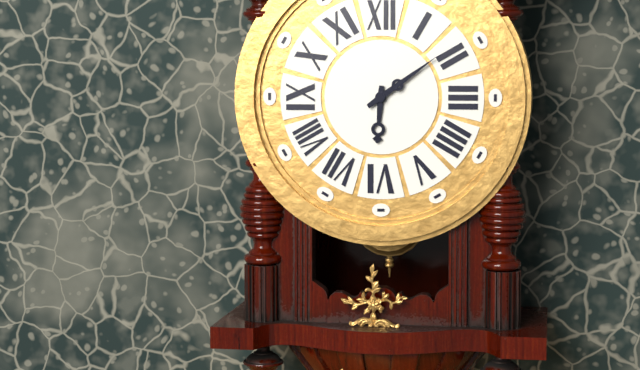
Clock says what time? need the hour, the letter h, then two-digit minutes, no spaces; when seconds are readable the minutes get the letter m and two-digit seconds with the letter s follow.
6h09
